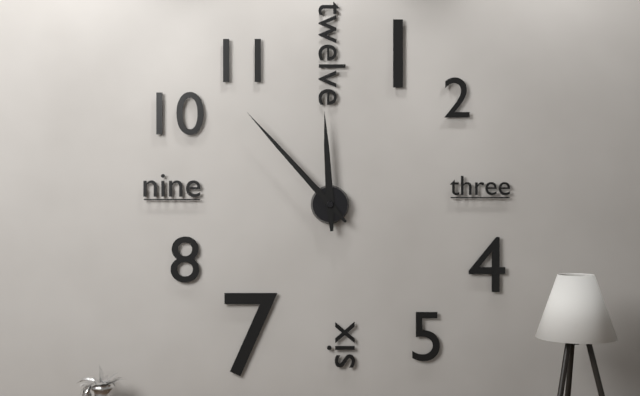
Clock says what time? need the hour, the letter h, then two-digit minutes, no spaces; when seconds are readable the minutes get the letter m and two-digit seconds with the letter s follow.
11h53
